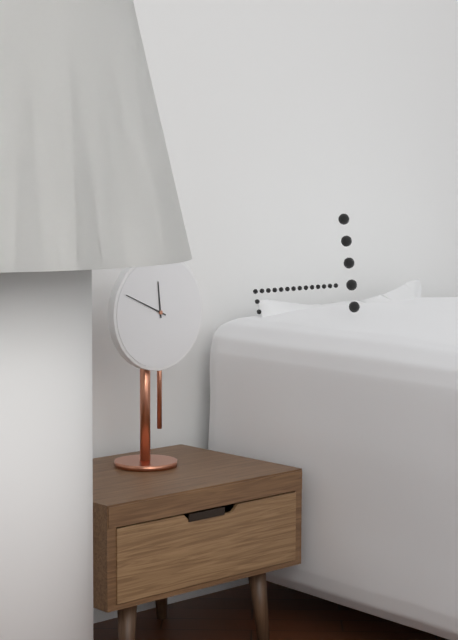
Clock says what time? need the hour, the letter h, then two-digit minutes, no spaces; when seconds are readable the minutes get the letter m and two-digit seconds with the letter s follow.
11h49
